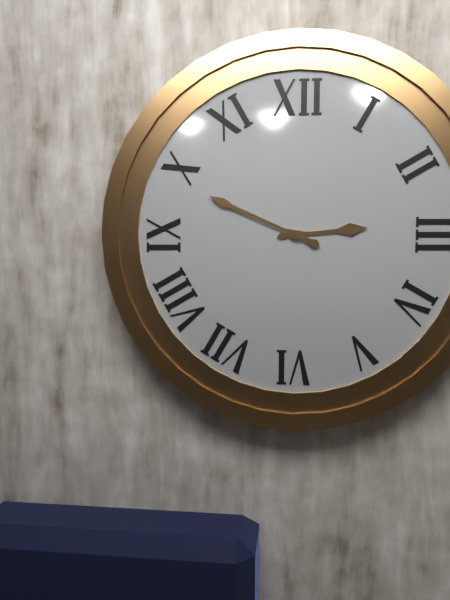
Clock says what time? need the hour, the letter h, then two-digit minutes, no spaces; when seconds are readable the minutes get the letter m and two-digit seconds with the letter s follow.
2h49
